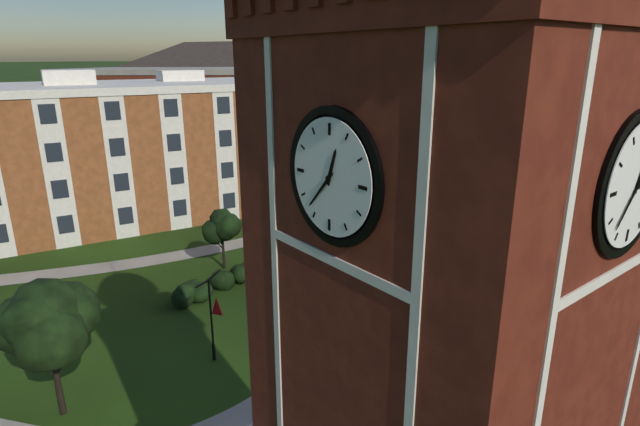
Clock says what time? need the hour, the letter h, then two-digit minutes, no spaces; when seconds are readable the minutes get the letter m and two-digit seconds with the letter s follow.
12h37
